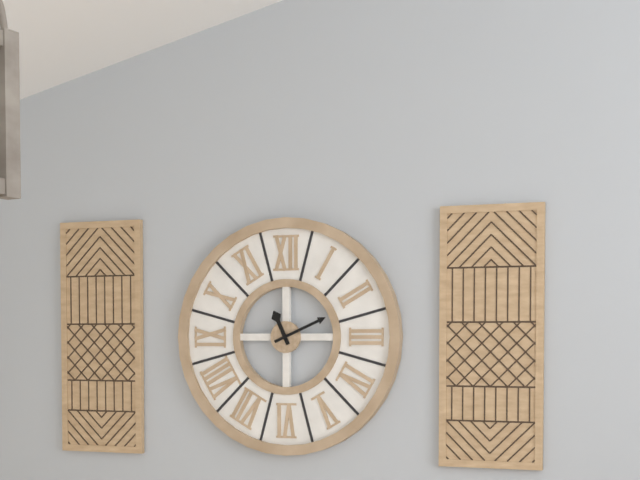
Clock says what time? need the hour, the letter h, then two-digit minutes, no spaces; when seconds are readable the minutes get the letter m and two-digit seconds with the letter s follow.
11h11
